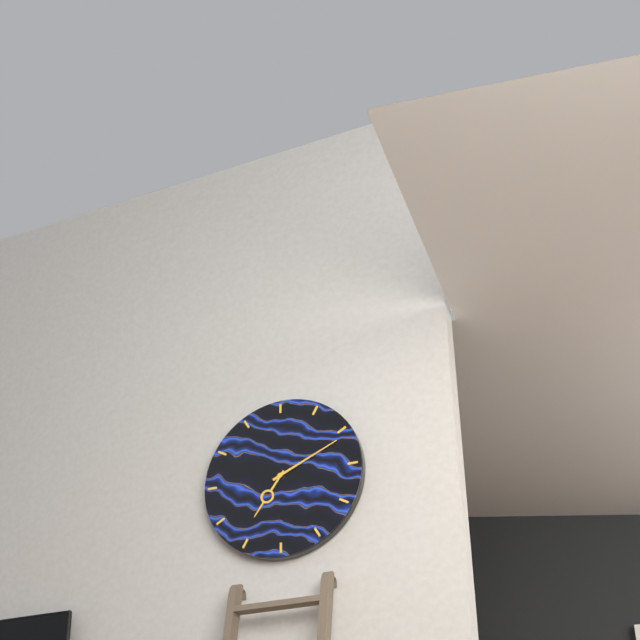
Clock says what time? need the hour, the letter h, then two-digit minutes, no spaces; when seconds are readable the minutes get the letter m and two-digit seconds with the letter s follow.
7h11
